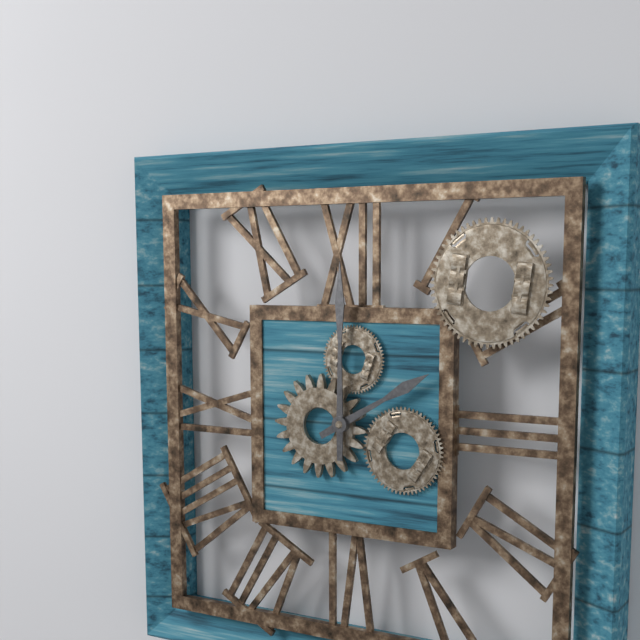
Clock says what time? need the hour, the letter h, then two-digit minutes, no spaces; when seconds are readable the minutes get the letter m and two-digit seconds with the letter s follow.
2h00
